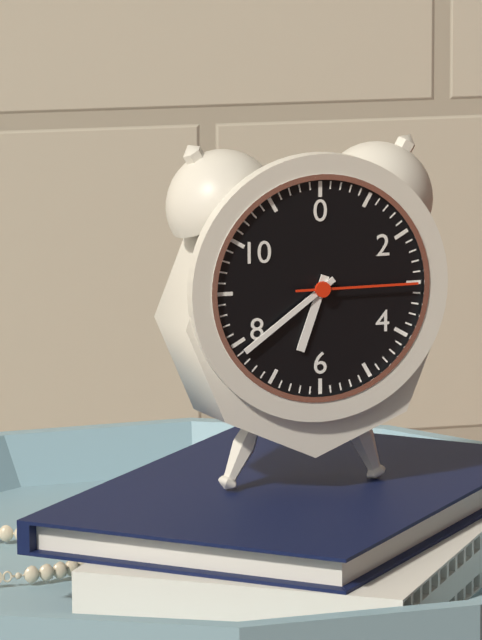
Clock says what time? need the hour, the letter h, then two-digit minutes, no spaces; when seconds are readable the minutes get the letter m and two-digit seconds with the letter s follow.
6h39m15s
